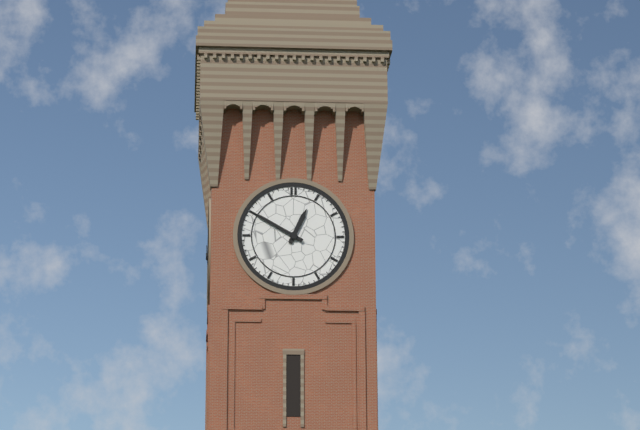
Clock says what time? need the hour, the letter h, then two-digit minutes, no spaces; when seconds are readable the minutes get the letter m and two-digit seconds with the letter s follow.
12h50
